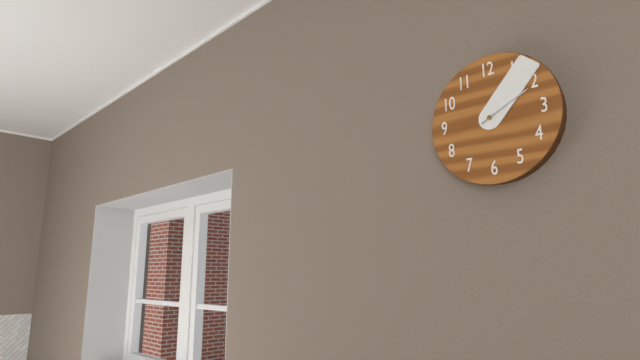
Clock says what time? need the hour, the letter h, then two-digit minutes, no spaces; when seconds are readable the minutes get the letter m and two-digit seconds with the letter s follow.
2h07
